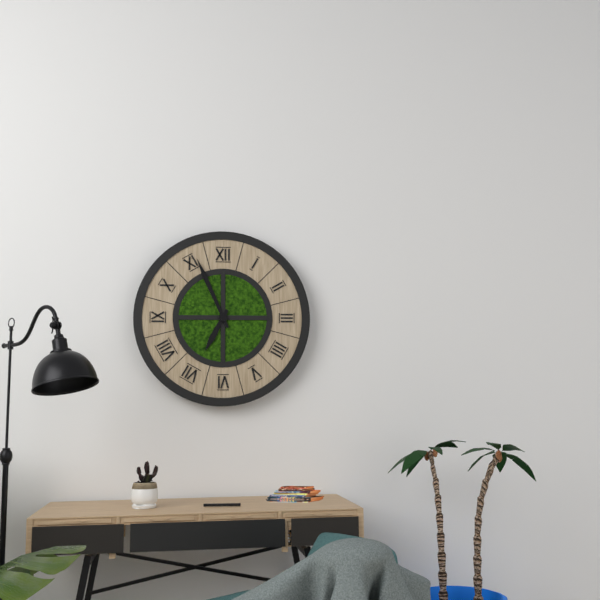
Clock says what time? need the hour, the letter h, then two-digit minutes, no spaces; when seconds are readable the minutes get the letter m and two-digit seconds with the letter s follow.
6h56
